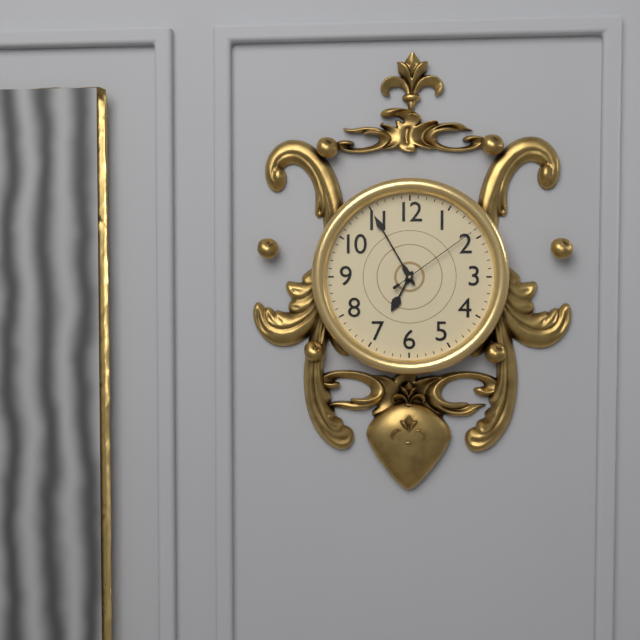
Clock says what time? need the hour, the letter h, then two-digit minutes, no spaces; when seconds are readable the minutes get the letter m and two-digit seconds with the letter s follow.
6h55m09s
